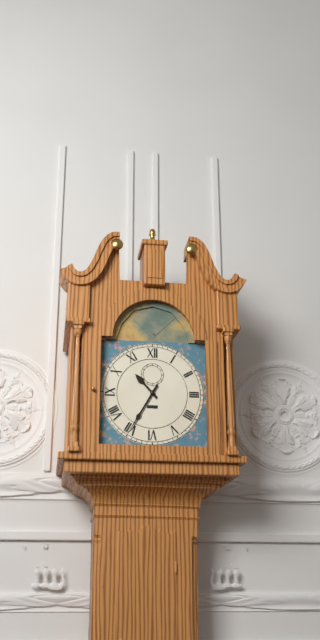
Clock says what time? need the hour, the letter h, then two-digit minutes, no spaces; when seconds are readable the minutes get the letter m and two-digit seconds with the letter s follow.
10h35
